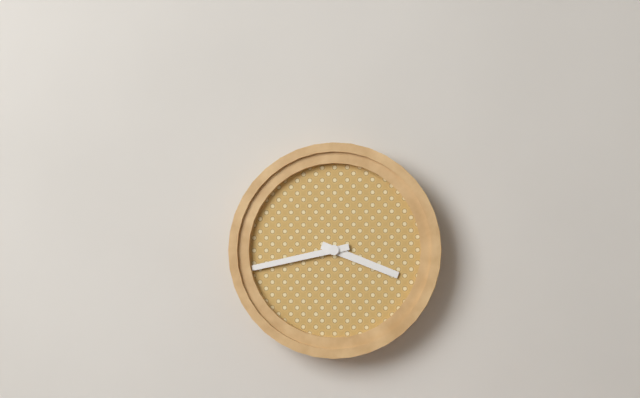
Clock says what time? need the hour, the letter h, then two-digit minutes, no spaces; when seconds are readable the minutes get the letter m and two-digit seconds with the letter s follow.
3h43
